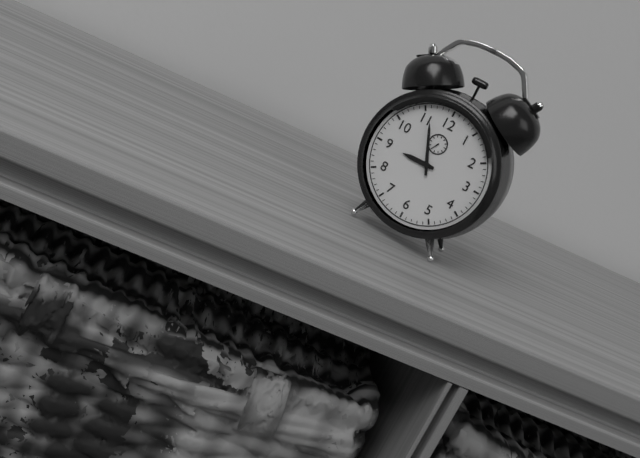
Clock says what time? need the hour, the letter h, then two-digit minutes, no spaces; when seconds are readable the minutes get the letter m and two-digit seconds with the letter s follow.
8h56
